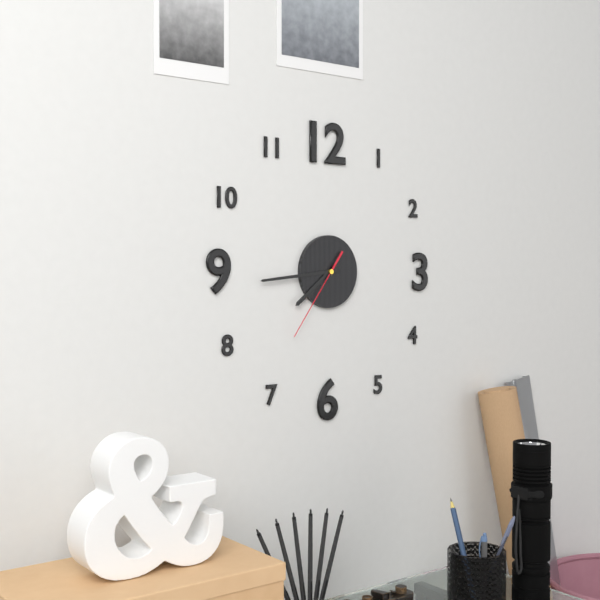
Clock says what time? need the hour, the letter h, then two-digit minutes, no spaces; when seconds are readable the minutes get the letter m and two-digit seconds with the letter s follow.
7h44m36s
